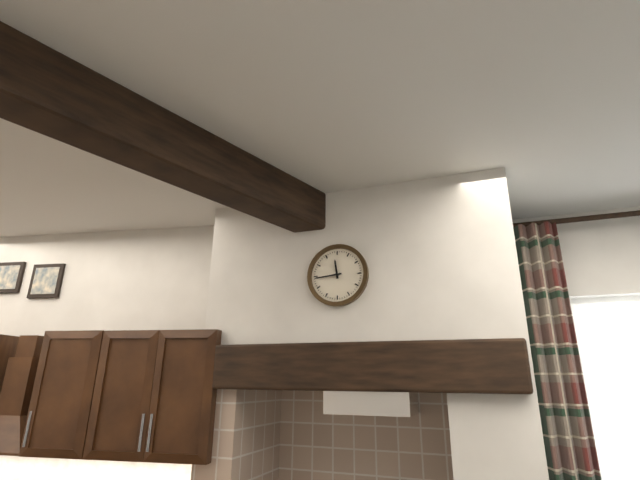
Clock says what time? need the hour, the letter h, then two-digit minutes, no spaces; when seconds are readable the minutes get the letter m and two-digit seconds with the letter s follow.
11h44
